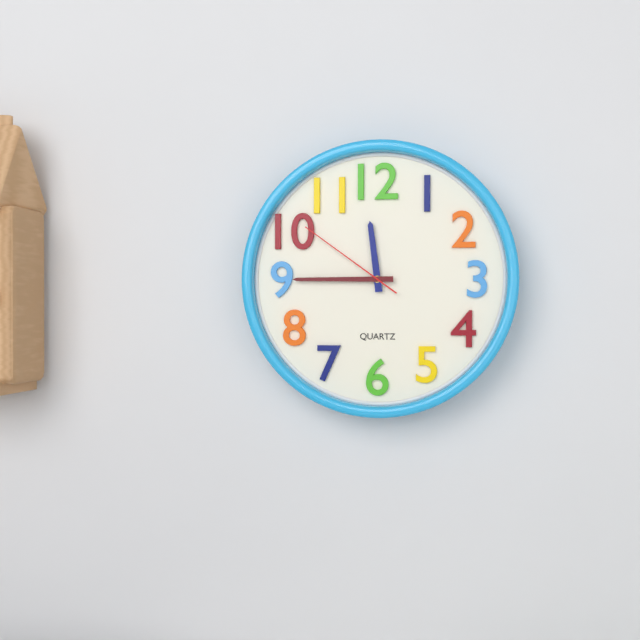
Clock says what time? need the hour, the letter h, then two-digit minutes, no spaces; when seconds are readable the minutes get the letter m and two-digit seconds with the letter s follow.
11h45m51s
